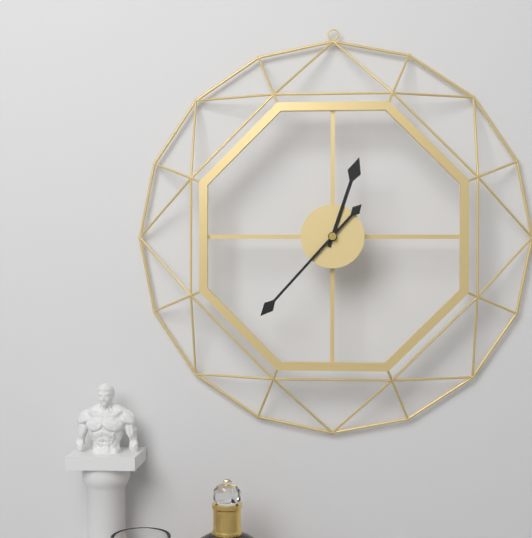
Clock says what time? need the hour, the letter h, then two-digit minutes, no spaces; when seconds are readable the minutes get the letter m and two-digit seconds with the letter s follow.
12h37
